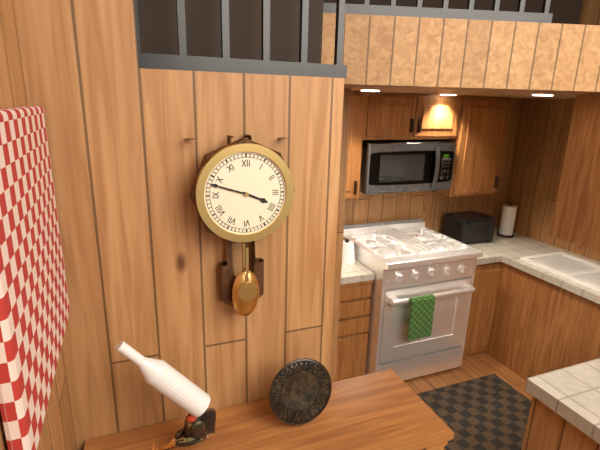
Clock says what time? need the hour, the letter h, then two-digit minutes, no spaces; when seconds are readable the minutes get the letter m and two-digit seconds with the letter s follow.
3h48
